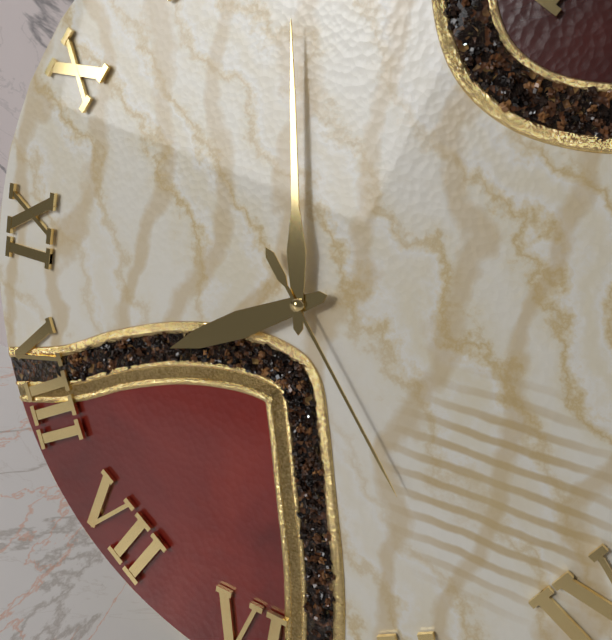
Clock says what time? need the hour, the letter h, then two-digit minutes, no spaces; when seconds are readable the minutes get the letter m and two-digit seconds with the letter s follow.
7h58m23s
